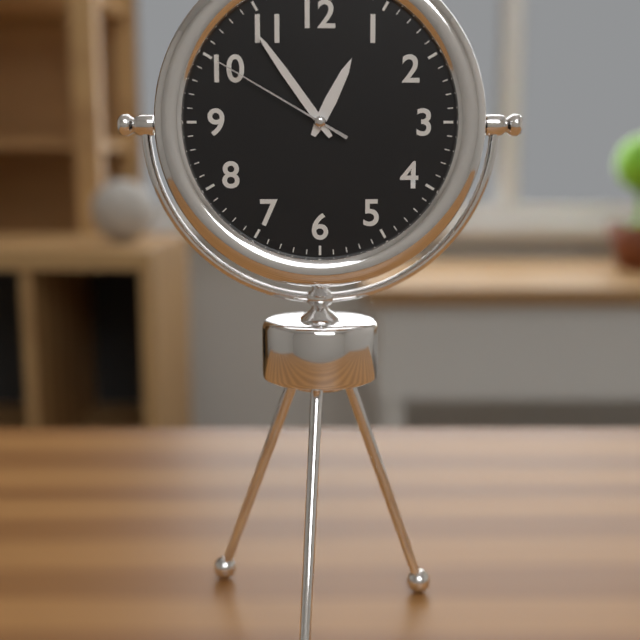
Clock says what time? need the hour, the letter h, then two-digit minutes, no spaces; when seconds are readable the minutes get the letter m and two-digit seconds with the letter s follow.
12h54m50s
